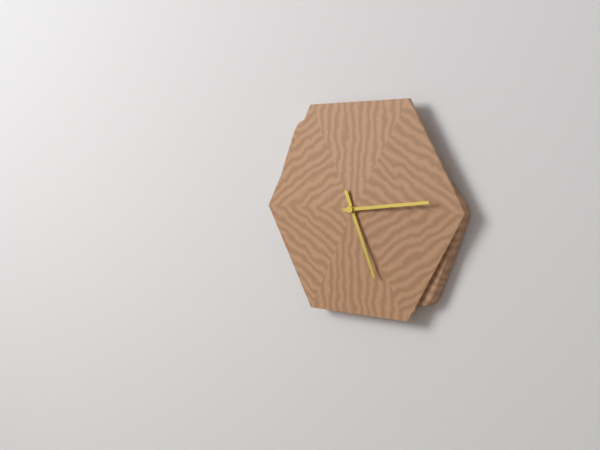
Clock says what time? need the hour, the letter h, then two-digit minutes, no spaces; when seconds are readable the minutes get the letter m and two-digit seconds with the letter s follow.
5h14
